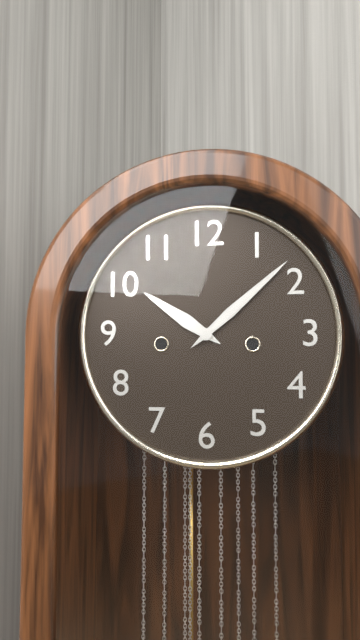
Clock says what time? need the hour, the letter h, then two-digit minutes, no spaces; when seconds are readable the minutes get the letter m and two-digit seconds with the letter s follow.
10h08
